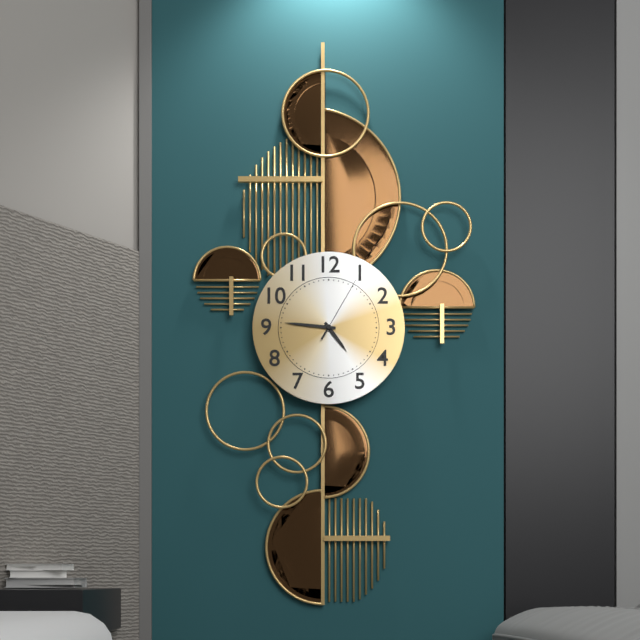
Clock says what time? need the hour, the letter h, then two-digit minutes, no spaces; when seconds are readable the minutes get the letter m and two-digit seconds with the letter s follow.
4h46m05s
